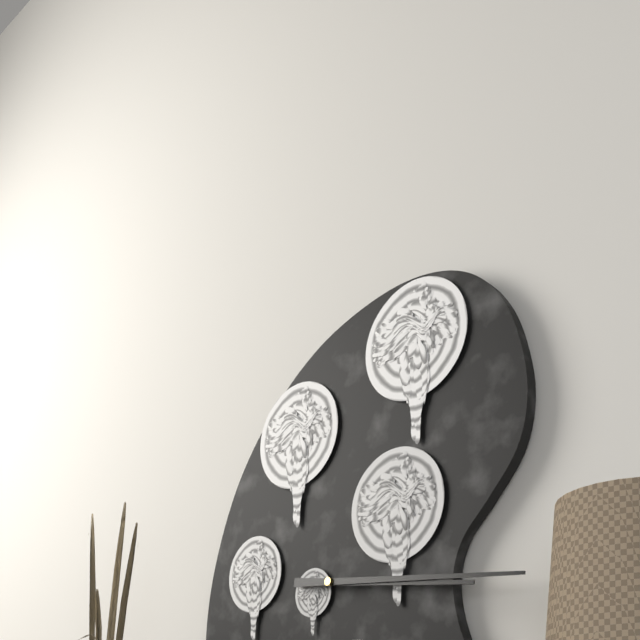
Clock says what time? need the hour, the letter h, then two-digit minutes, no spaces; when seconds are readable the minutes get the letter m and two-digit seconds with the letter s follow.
3h16
